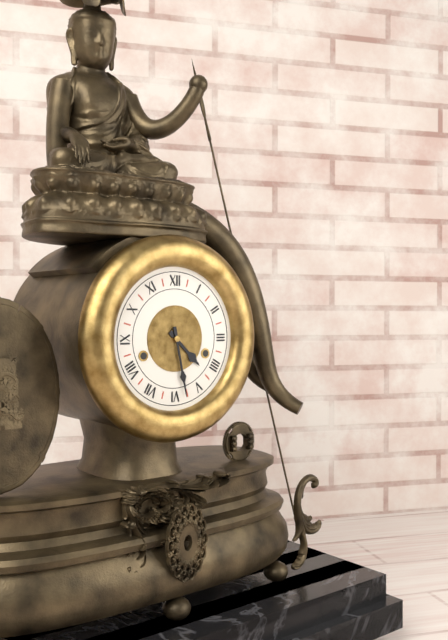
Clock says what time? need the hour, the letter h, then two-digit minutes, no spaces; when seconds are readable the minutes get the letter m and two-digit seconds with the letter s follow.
4h28
